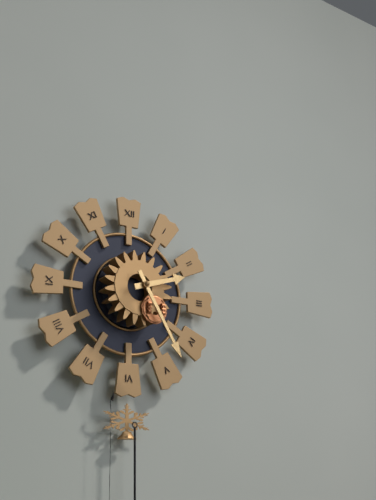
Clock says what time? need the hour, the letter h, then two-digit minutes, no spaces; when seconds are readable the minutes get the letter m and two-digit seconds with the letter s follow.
2h25
